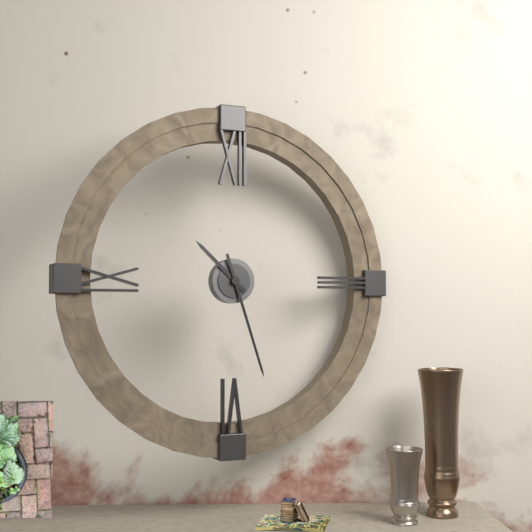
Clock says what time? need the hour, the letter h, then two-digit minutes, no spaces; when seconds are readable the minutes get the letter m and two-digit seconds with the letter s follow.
10h27
